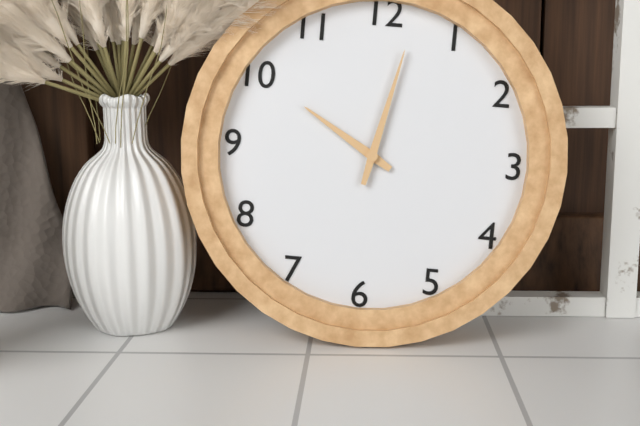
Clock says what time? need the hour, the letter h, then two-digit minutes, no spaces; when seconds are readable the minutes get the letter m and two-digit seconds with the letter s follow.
10h02
